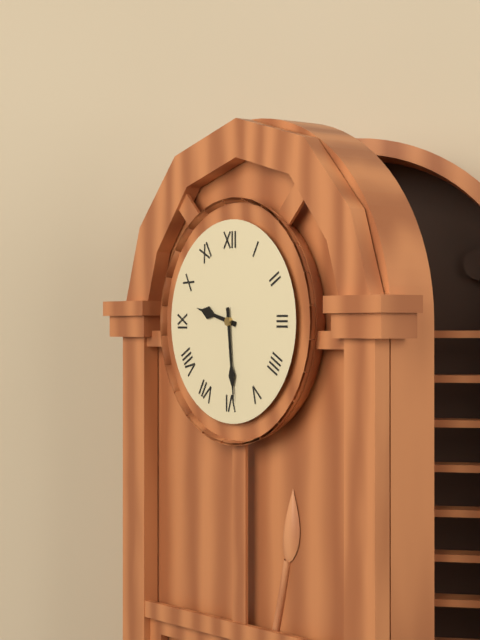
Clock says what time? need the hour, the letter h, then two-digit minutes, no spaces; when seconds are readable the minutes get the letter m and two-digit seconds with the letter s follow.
9h29
